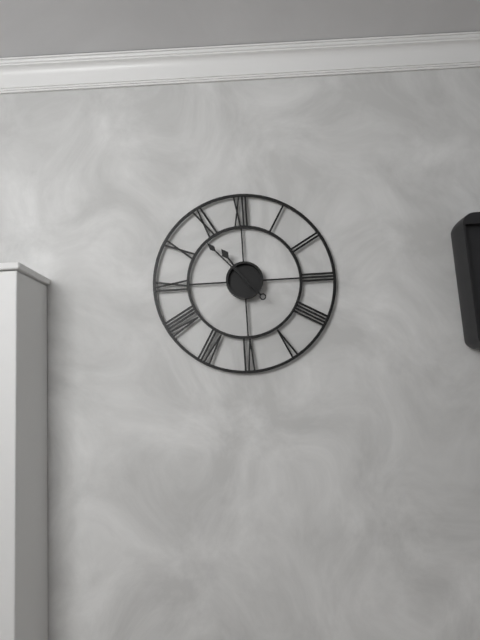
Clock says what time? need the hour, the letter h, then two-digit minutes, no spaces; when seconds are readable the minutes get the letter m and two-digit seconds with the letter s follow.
10h53
